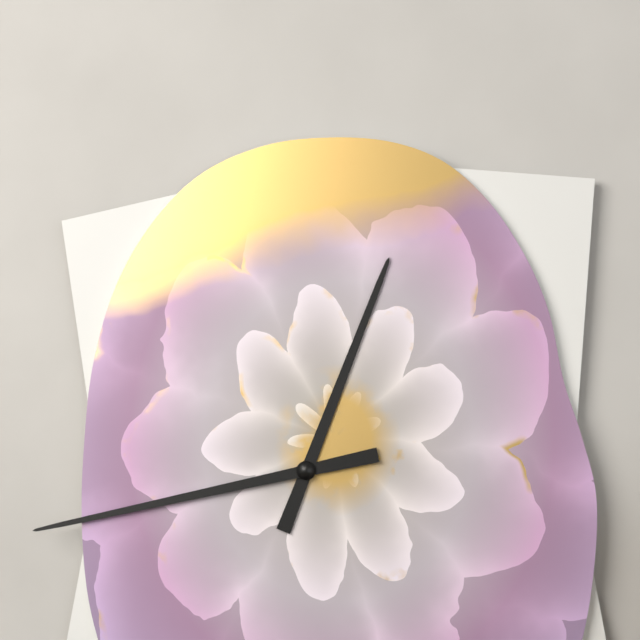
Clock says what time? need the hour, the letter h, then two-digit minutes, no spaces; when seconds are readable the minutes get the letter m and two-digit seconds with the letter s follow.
12h43
